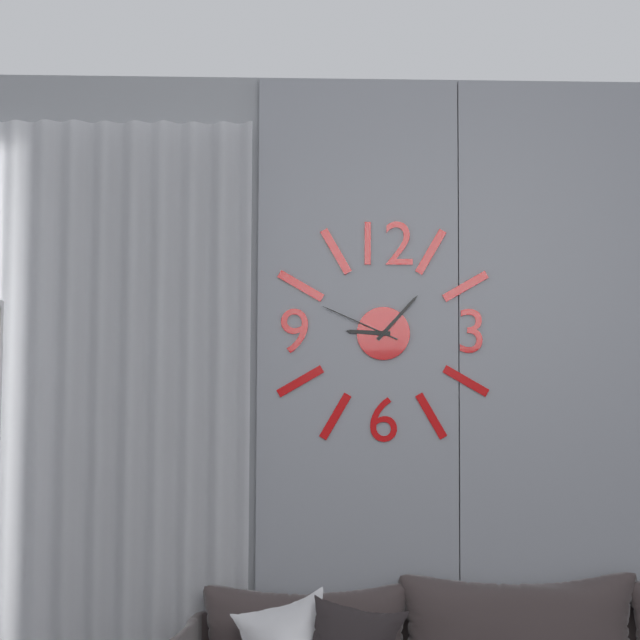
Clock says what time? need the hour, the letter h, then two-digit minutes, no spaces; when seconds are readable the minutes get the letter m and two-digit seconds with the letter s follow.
9h07m49s
